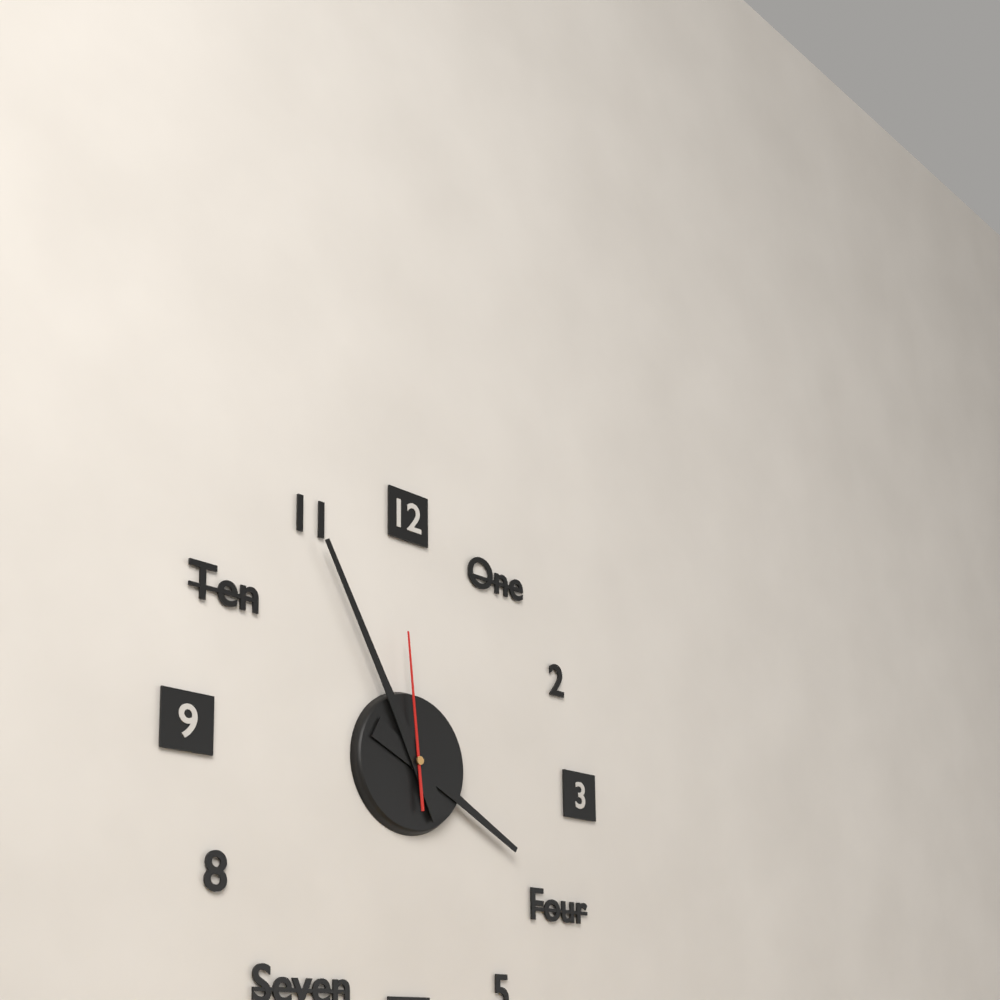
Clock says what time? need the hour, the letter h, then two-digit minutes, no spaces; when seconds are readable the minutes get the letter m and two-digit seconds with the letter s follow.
3h55m59s
